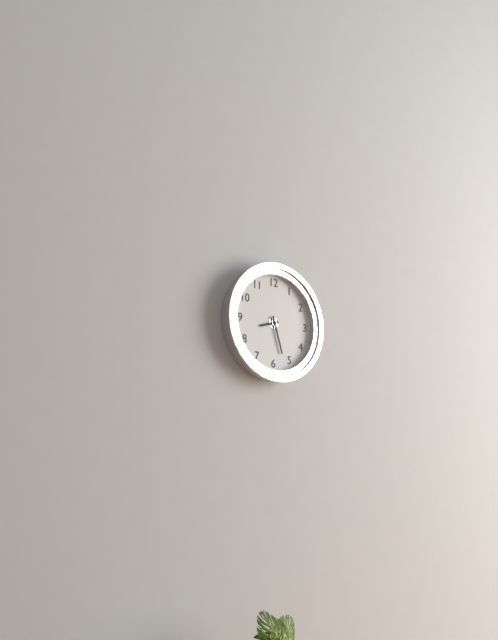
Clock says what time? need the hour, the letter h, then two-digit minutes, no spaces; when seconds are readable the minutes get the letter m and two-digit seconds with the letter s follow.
8h27
